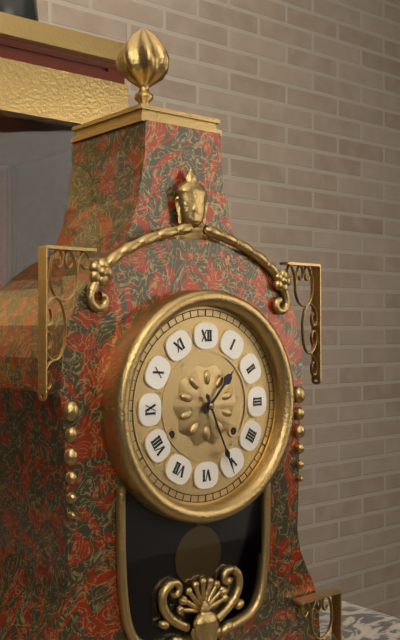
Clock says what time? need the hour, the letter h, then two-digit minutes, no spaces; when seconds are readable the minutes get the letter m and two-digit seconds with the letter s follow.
1h26
